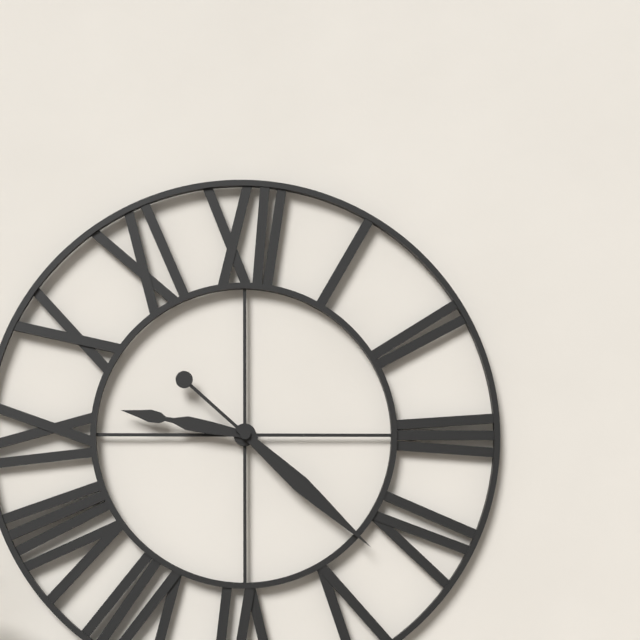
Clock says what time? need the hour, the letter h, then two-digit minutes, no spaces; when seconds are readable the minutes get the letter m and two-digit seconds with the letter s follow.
9h22
